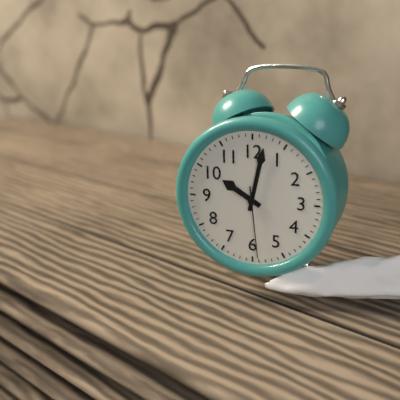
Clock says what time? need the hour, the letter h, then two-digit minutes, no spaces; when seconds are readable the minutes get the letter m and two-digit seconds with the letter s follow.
10h02m29s
